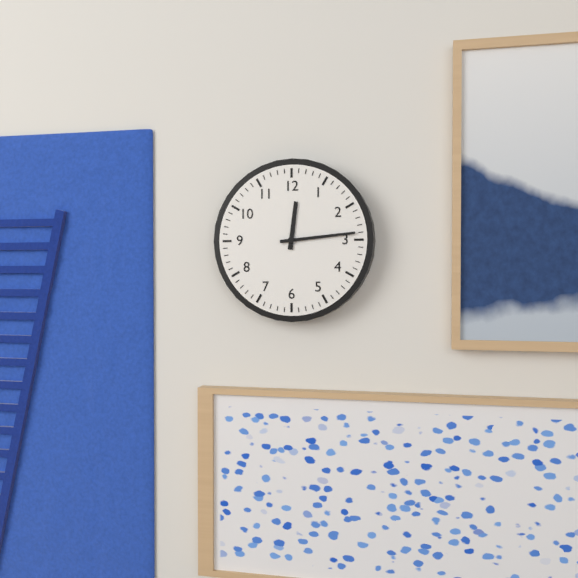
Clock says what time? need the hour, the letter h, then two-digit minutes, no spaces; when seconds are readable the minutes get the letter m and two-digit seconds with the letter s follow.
12h14
